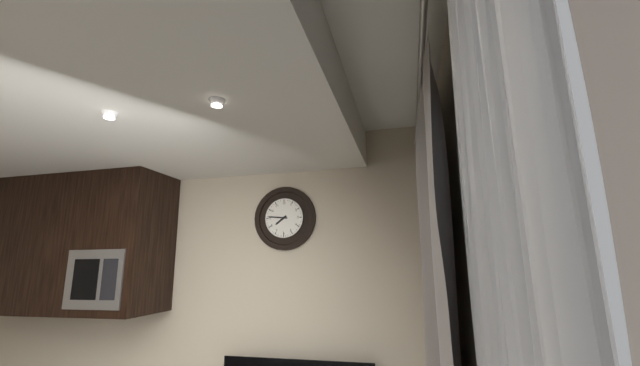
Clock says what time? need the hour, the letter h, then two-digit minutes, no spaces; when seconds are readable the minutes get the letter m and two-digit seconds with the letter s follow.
7h46
